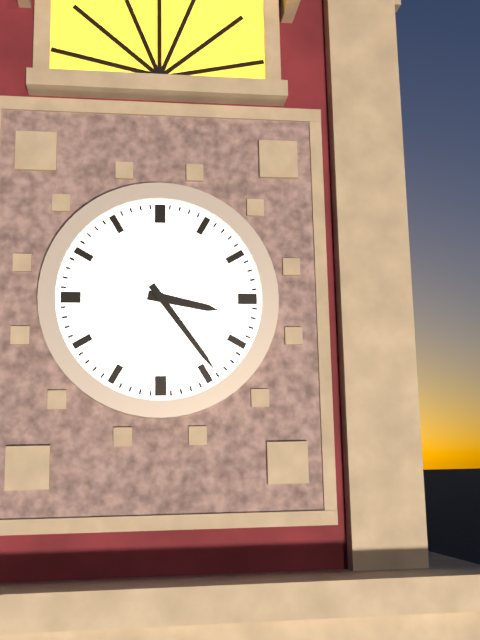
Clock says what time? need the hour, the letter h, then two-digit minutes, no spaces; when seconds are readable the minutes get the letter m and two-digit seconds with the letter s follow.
3h24
